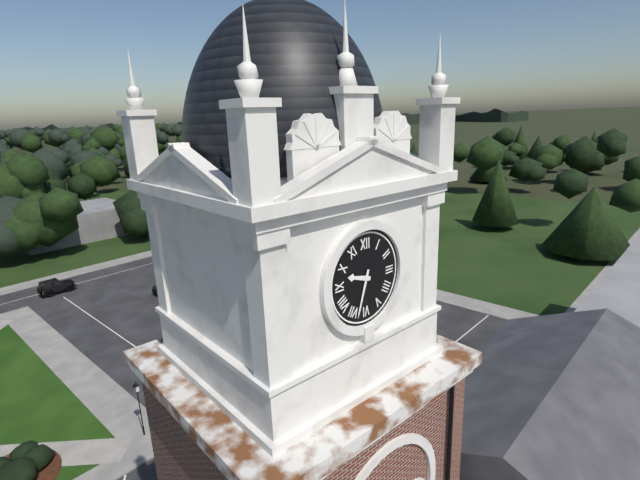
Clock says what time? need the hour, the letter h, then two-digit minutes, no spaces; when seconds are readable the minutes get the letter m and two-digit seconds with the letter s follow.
9h33
